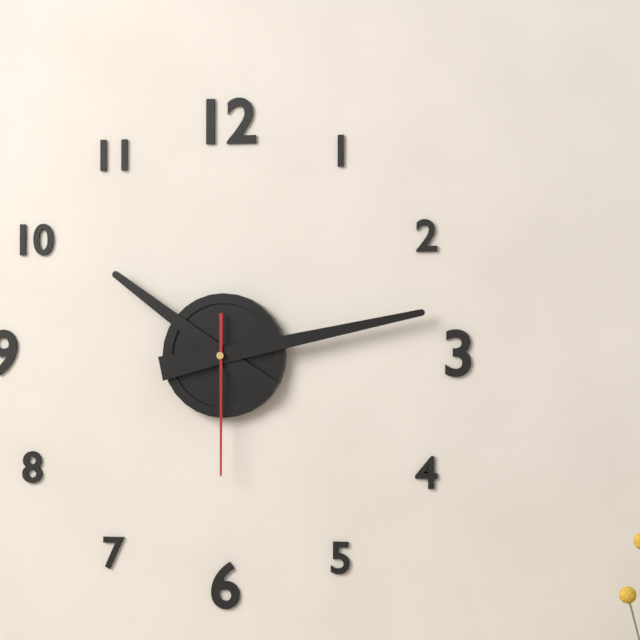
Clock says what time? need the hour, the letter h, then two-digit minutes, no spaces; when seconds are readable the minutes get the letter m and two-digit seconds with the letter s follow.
10h13m30s
